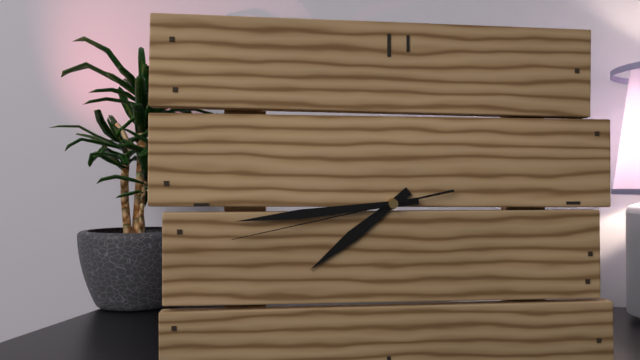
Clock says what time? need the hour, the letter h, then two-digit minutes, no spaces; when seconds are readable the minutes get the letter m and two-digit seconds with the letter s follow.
7h44m43s
